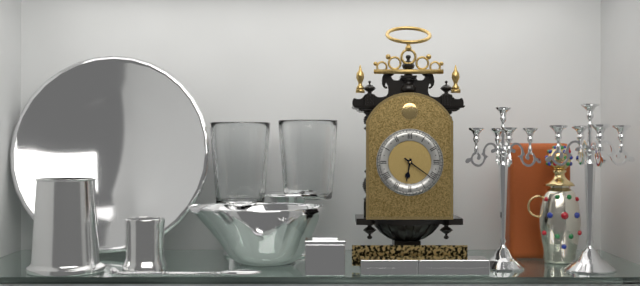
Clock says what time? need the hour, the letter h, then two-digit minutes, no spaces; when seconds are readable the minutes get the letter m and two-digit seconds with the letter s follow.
6h21
